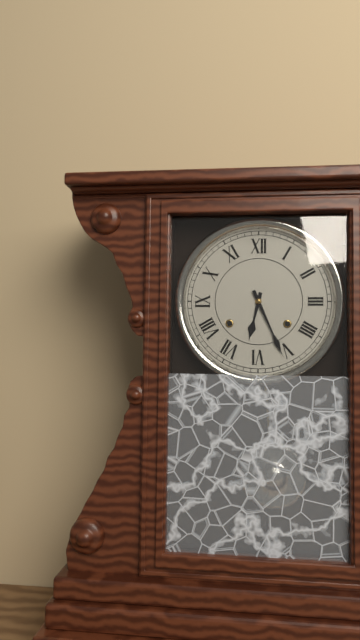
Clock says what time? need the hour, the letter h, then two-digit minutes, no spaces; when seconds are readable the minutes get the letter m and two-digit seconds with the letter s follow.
6h26
